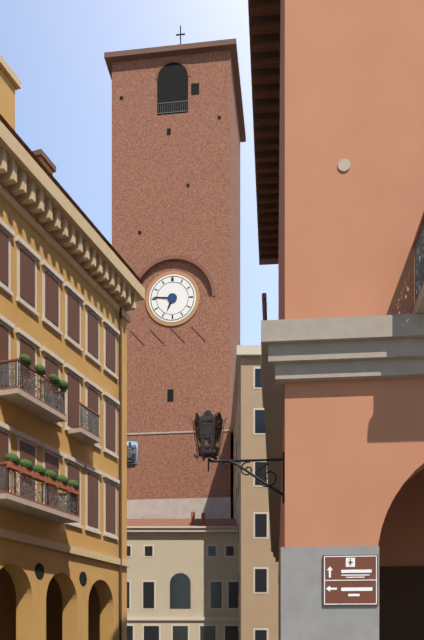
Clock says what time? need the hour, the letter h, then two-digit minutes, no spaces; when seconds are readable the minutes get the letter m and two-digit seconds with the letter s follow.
6h46
